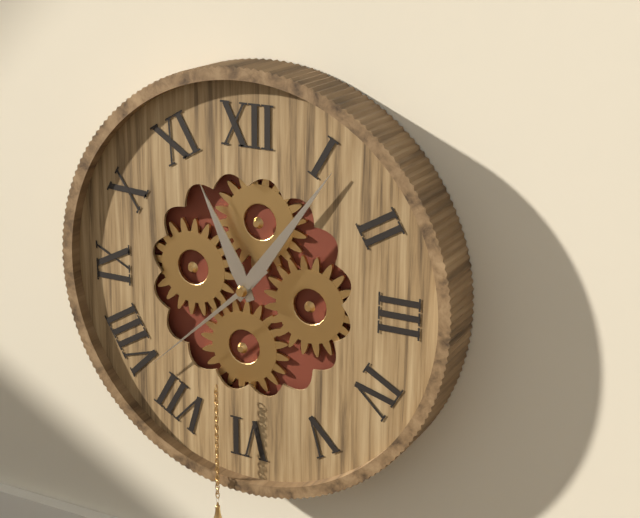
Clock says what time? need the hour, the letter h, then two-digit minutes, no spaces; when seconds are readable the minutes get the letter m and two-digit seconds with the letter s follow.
11h06m38s
